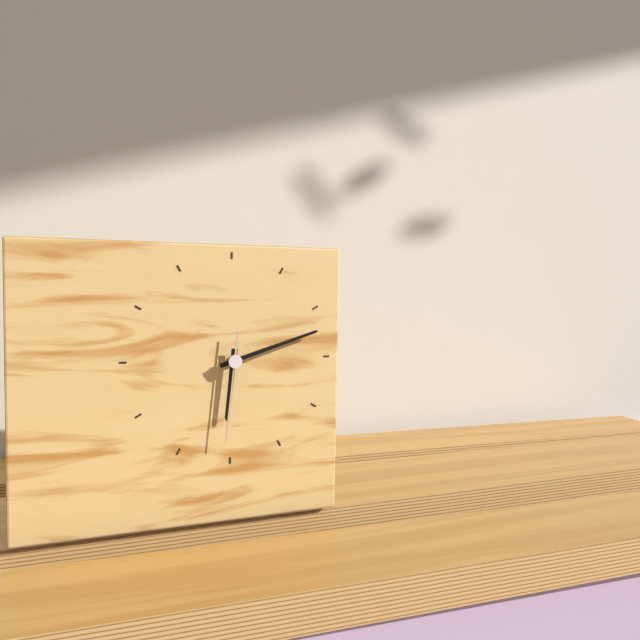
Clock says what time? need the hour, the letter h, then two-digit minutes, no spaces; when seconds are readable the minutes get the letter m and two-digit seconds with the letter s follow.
6h12m31s
